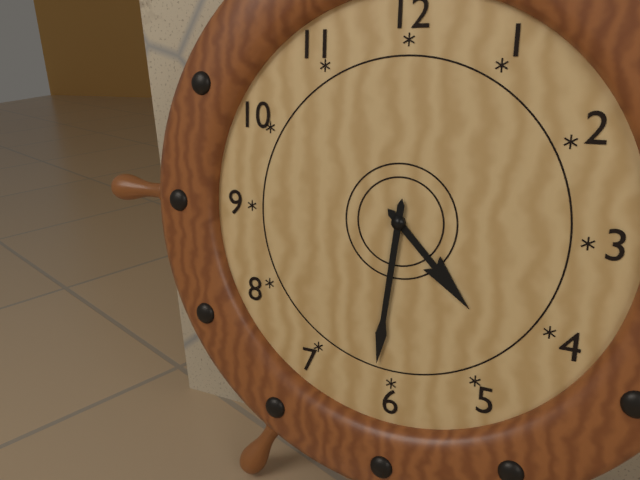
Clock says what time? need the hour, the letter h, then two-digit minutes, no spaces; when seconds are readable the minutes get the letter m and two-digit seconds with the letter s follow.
4h31
